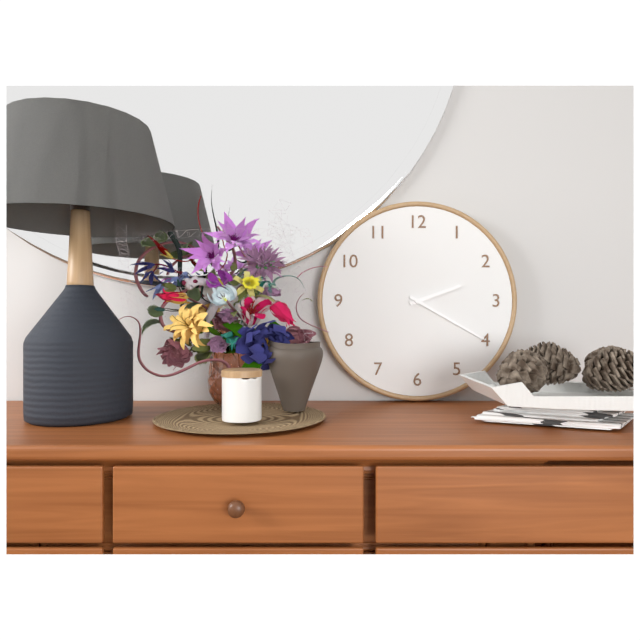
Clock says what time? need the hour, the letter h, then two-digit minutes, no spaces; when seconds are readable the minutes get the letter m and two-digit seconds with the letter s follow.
2h20
